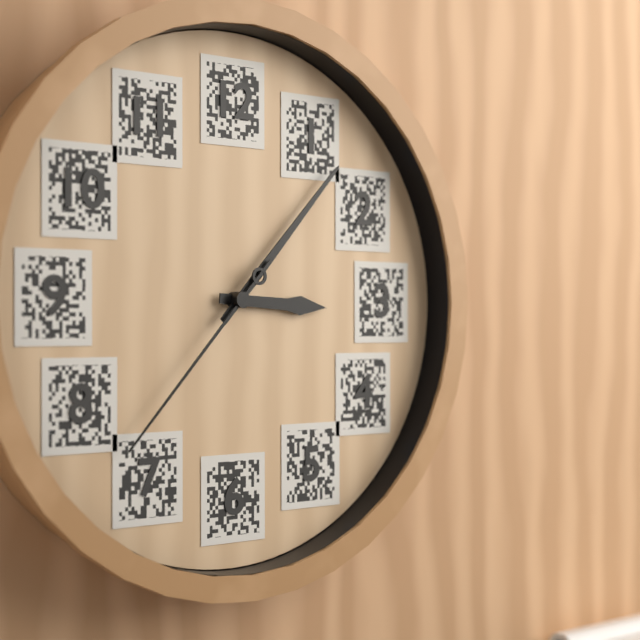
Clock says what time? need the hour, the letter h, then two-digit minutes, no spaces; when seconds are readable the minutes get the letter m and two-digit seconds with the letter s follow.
3h07m37s
